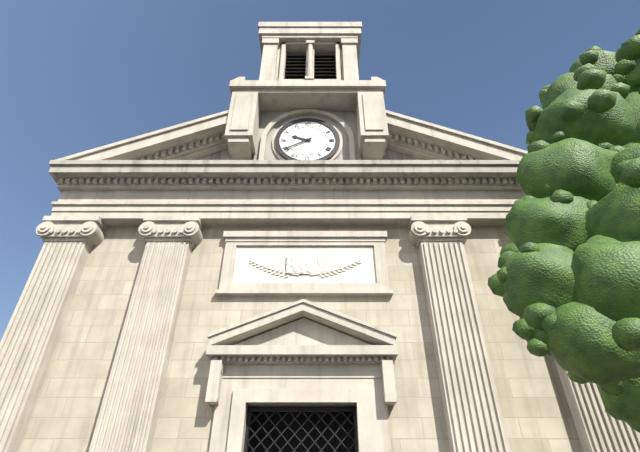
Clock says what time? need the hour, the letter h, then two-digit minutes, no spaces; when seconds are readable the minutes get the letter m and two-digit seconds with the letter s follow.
9h40
